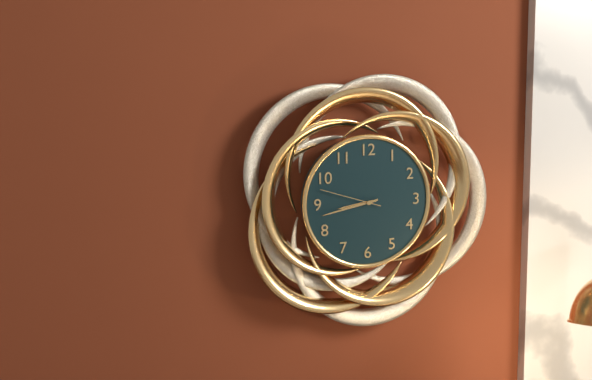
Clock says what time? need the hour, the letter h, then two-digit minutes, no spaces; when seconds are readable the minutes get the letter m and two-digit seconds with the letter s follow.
8h43m48s
